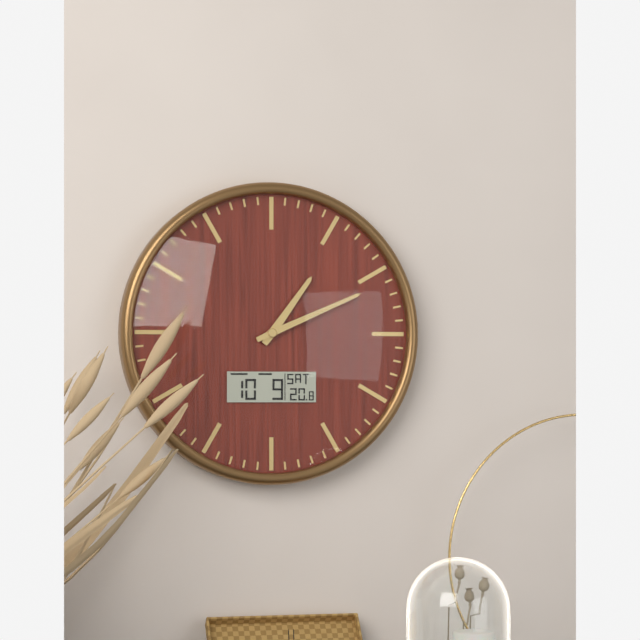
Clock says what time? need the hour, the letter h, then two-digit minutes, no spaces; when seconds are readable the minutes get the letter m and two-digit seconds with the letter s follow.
1h11
